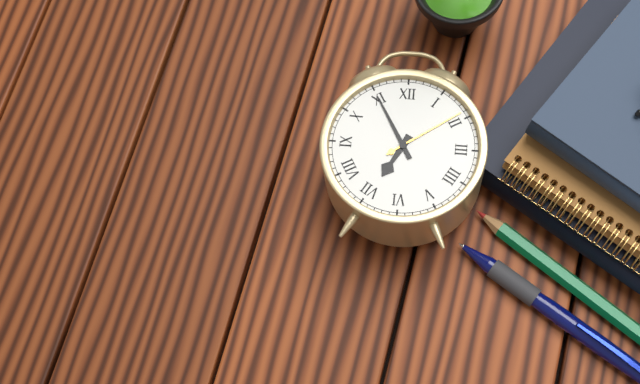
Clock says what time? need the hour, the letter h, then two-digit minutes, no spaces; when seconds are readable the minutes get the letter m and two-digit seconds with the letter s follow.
6h55m09s
